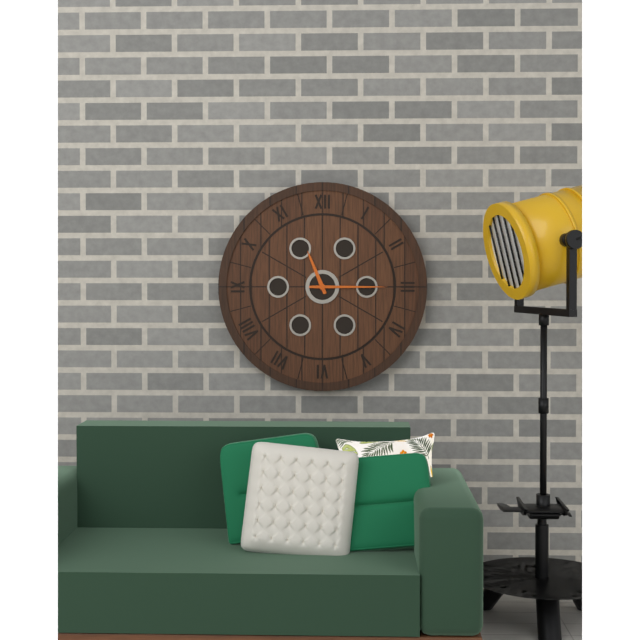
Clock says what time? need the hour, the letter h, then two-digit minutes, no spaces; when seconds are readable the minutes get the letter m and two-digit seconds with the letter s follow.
11h15
